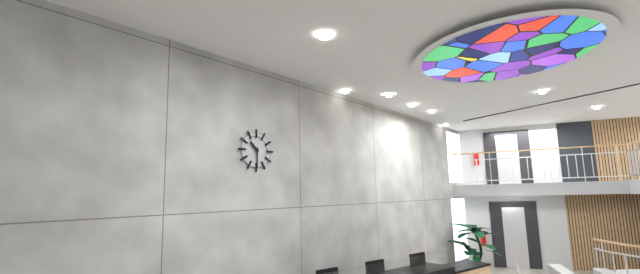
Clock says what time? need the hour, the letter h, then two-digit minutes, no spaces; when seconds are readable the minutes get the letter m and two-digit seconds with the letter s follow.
10h30
